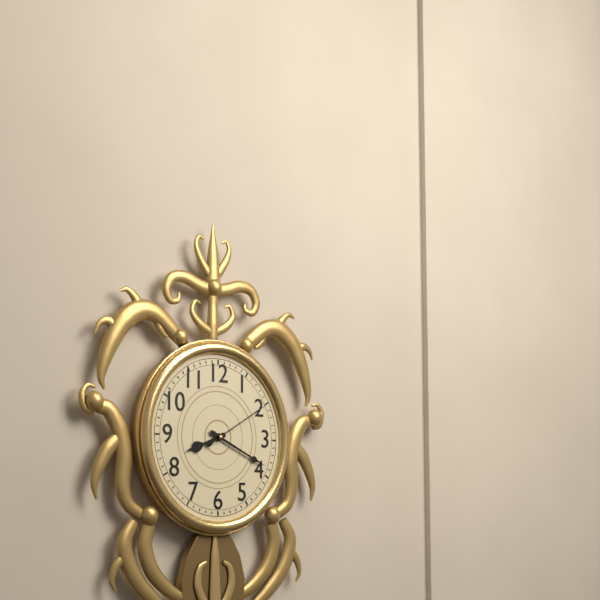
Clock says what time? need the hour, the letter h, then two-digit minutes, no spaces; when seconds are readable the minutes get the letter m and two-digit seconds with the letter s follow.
8h19m10s
